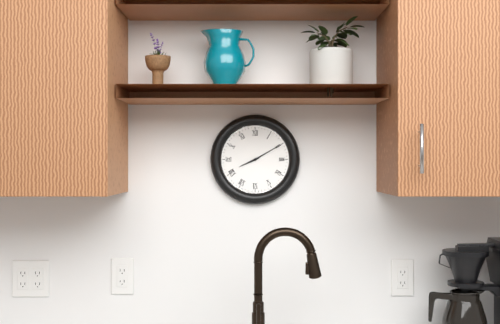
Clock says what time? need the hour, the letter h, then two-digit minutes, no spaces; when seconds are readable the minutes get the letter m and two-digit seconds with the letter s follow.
8h10
